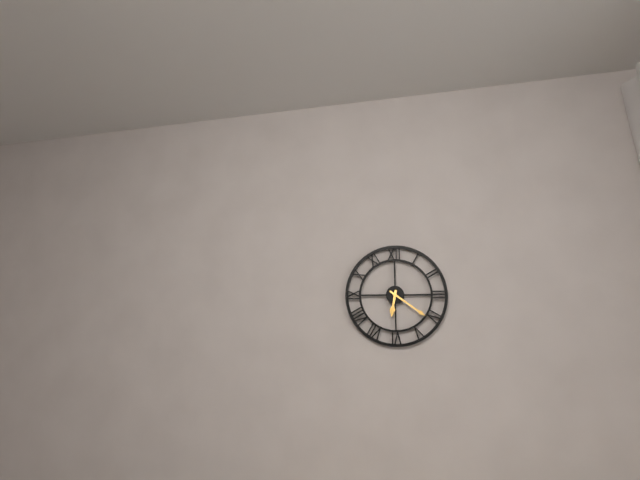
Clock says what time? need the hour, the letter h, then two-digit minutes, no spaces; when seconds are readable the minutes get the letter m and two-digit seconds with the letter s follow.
6h21
